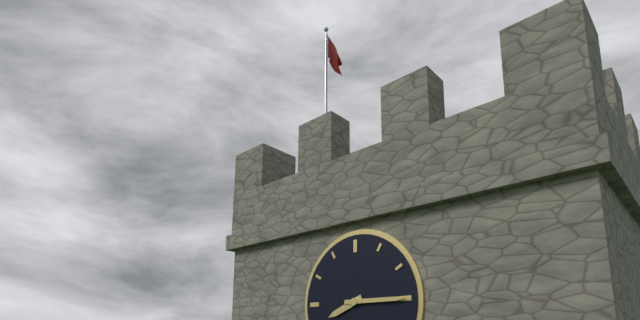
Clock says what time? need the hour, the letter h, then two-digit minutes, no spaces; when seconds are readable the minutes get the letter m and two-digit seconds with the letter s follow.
8h15
